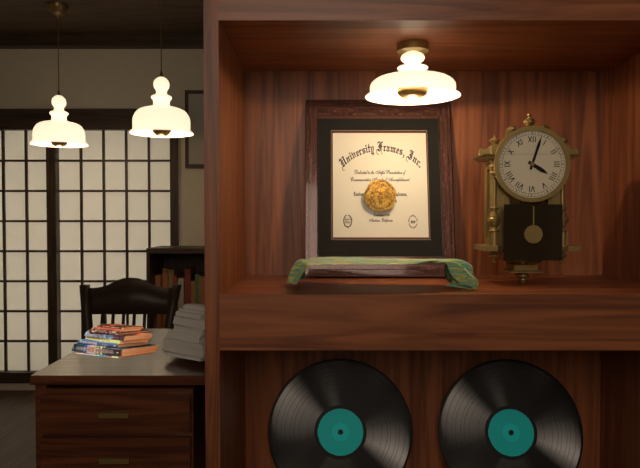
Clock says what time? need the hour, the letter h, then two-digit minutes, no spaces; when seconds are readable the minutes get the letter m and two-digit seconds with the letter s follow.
4h03
